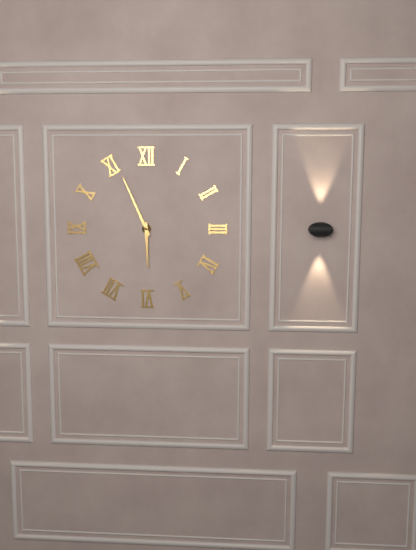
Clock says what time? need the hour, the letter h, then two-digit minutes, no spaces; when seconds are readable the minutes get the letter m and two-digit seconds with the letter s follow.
5h56
